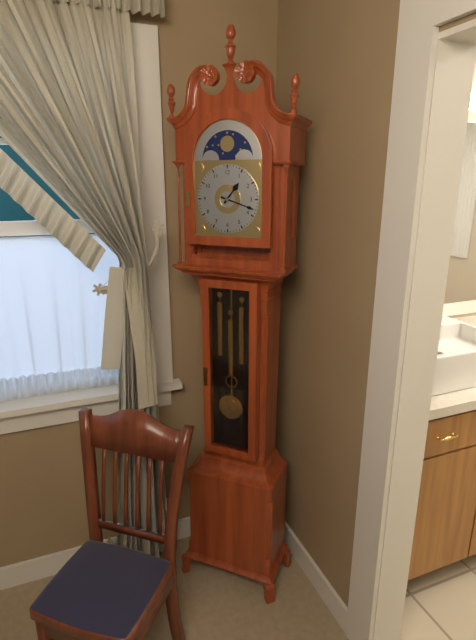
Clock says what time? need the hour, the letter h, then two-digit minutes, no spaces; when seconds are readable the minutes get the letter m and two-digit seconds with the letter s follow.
1h18
